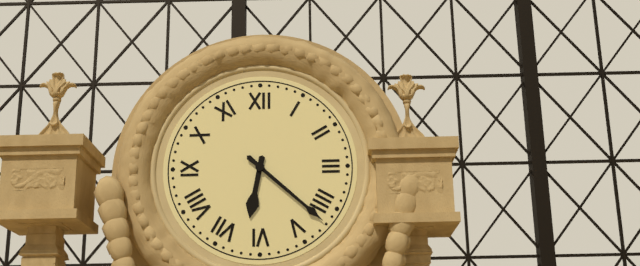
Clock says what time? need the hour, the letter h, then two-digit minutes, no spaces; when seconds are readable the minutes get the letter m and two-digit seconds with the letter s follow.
6h22
